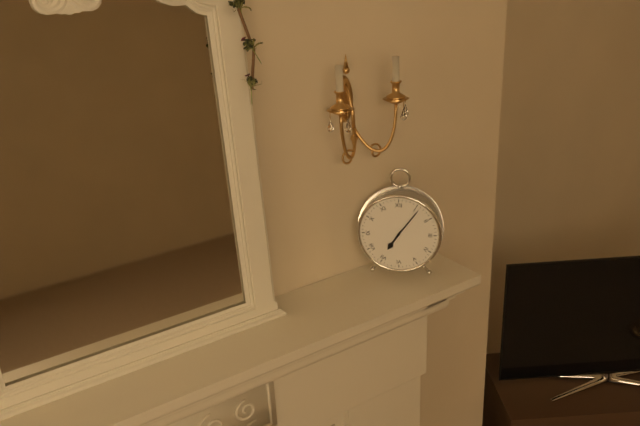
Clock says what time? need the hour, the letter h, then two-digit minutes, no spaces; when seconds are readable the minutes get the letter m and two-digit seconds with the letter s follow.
7h06
